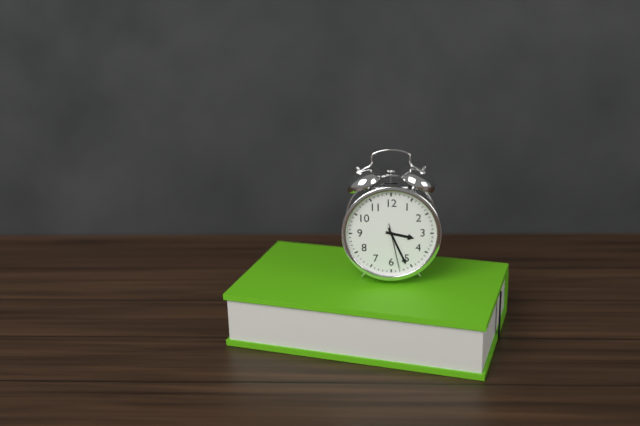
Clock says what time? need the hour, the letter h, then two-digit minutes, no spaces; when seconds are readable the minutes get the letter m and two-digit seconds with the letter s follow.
3h26
